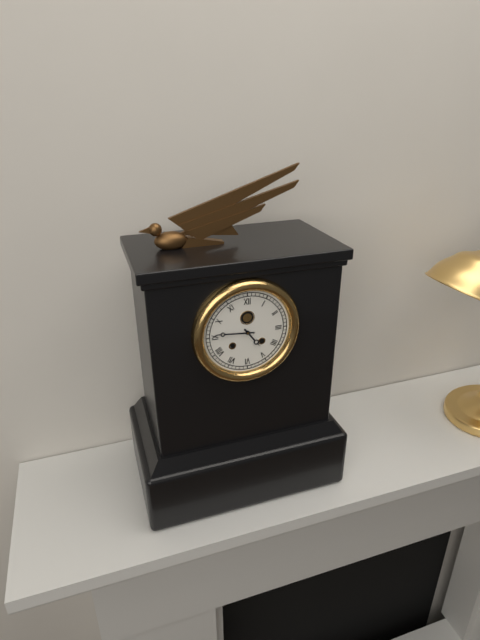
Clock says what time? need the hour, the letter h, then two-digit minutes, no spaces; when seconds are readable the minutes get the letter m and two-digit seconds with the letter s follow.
4h46
